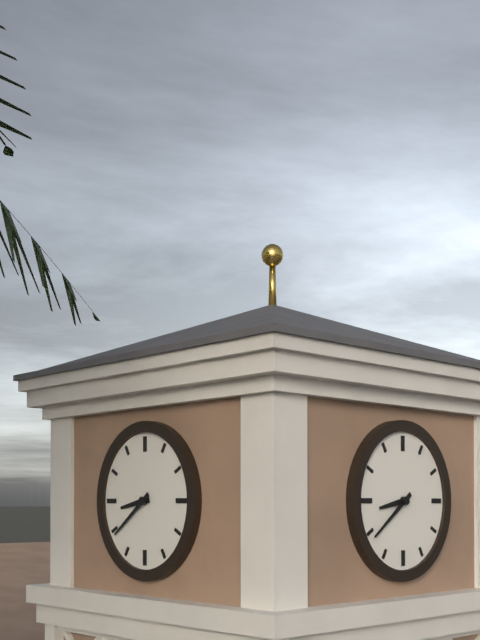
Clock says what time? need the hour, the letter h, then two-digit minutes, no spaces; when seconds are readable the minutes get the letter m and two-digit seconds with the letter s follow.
8h39
